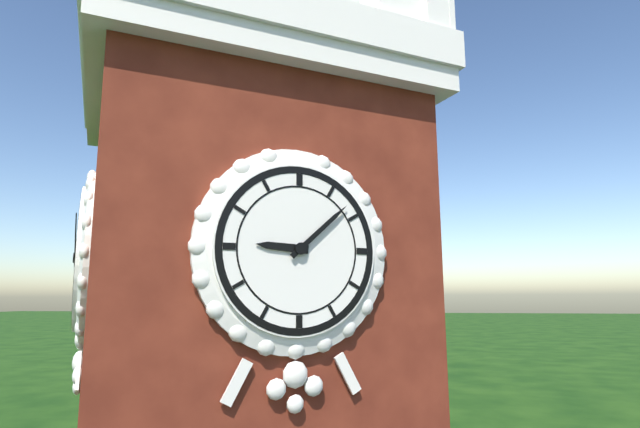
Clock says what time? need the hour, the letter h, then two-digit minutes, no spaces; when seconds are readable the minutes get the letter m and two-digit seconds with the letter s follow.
9h08
